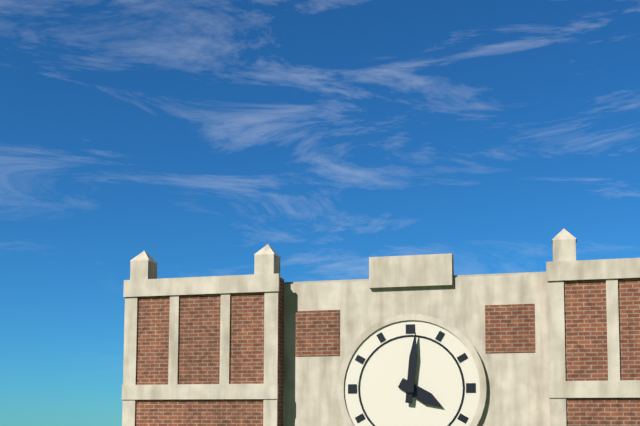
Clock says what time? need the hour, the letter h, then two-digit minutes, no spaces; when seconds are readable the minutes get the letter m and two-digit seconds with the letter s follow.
4h01
